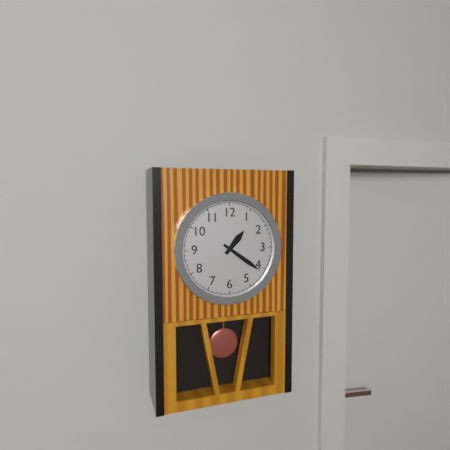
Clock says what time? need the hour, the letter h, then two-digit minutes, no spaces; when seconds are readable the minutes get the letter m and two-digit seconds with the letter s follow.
1h21
